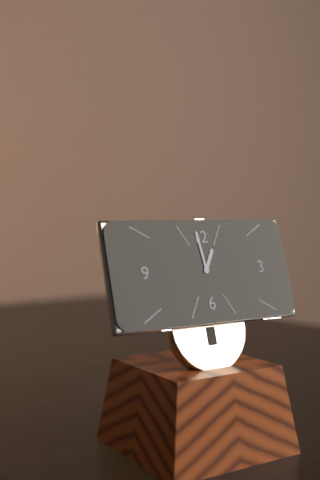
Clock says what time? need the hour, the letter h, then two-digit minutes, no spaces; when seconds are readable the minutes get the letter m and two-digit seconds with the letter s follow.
12h59
